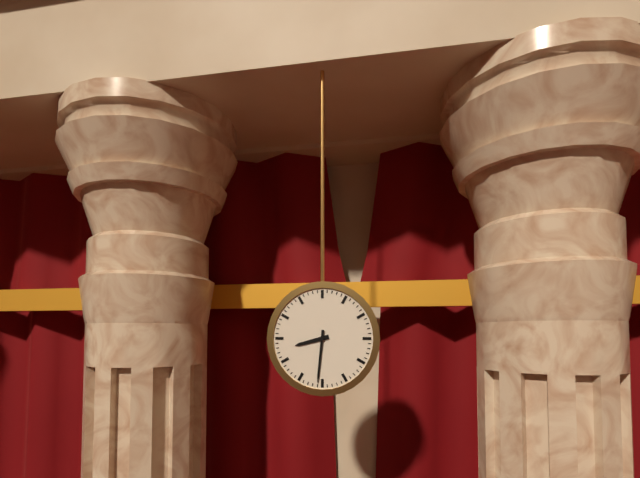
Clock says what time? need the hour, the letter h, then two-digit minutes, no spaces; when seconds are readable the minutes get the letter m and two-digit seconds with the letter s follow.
8h31
